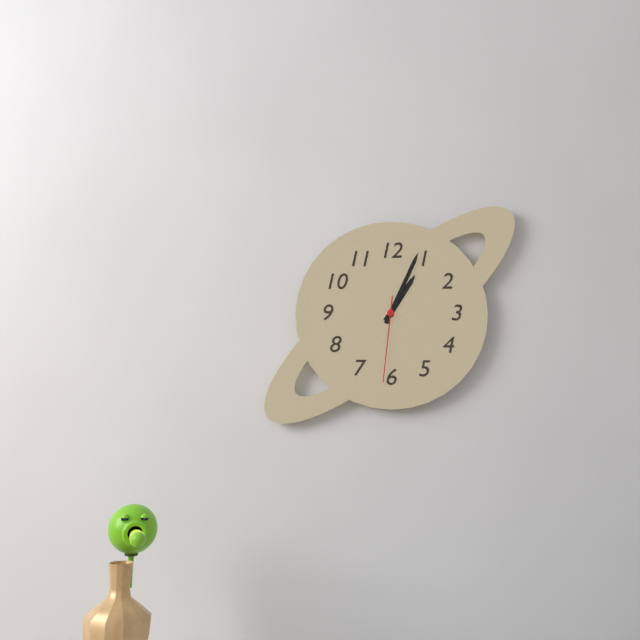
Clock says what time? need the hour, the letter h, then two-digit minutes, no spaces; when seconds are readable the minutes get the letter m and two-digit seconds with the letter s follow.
1h04m31s
